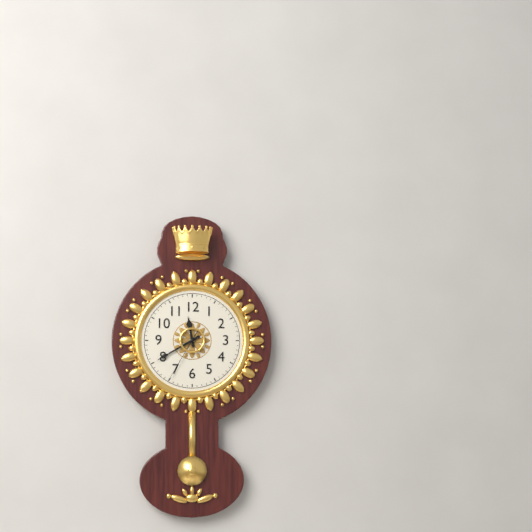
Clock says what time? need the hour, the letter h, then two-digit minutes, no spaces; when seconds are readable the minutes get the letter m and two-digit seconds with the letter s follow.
11h40m35s
